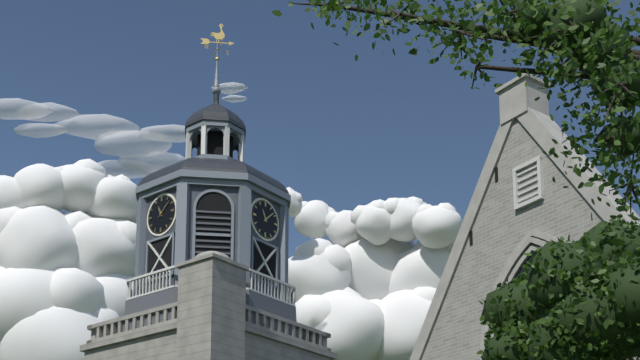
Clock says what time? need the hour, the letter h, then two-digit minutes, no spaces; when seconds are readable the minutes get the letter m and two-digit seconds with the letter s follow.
11h08
